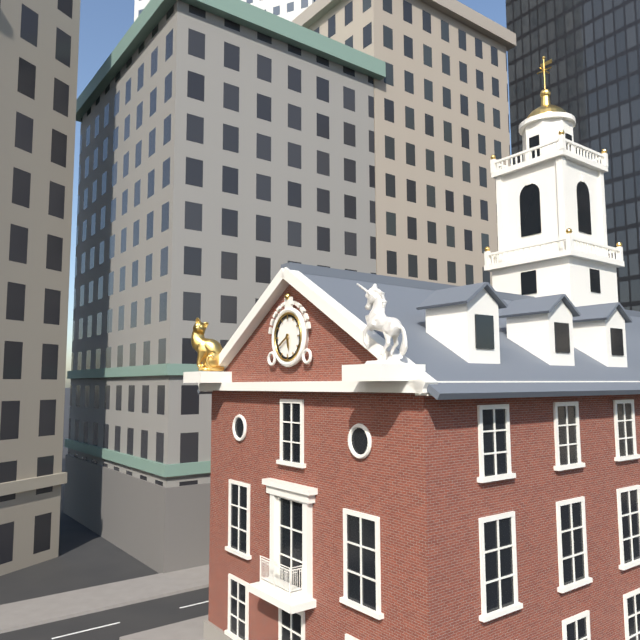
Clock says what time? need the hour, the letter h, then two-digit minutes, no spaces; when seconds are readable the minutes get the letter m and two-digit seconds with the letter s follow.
5h40
